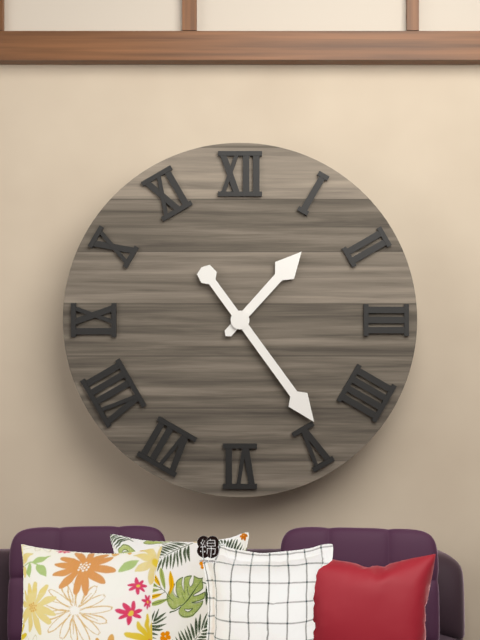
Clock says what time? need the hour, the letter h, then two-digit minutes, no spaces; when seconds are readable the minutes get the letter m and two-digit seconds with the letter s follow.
1h24
